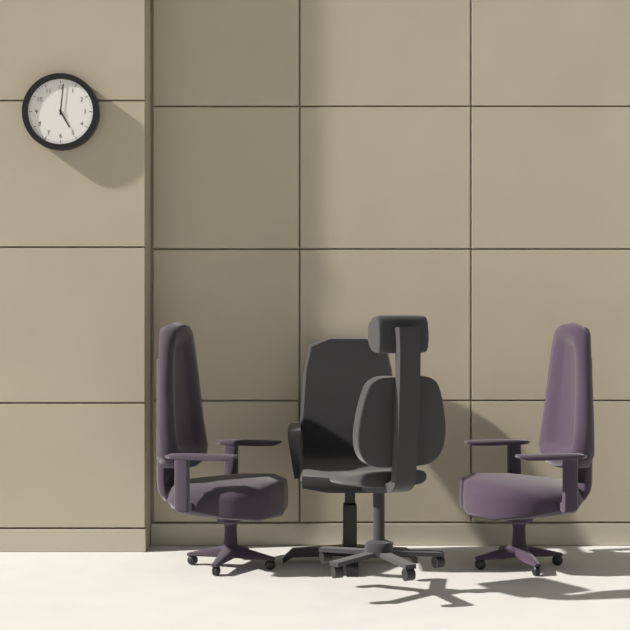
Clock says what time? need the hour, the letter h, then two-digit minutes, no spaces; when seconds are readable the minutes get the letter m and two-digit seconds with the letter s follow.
5h01
